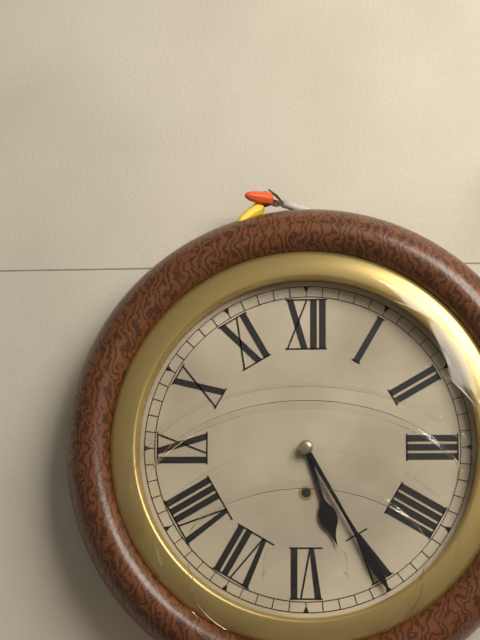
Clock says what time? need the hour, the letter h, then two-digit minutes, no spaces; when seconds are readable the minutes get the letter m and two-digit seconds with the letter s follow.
5h25
